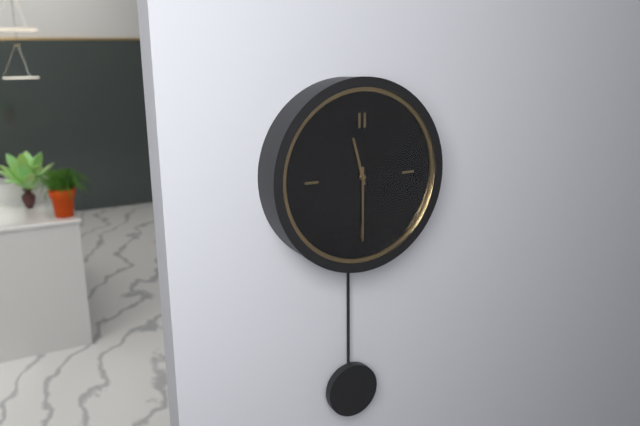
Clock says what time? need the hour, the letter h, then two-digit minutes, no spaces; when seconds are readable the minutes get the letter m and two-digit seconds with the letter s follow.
11h30
